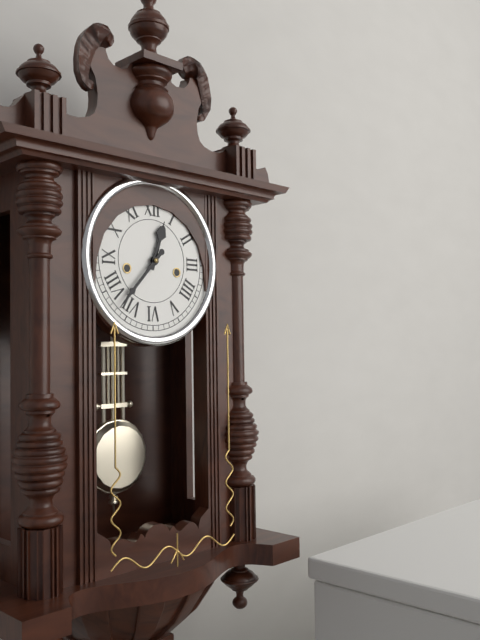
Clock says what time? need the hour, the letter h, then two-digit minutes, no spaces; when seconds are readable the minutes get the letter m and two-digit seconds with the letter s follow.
12h37
